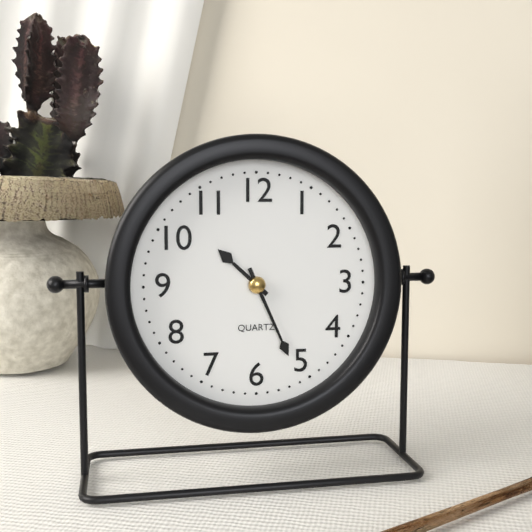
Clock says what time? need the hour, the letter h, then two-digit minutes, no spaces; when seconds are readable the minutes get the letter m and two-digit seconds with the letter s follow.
10h26
